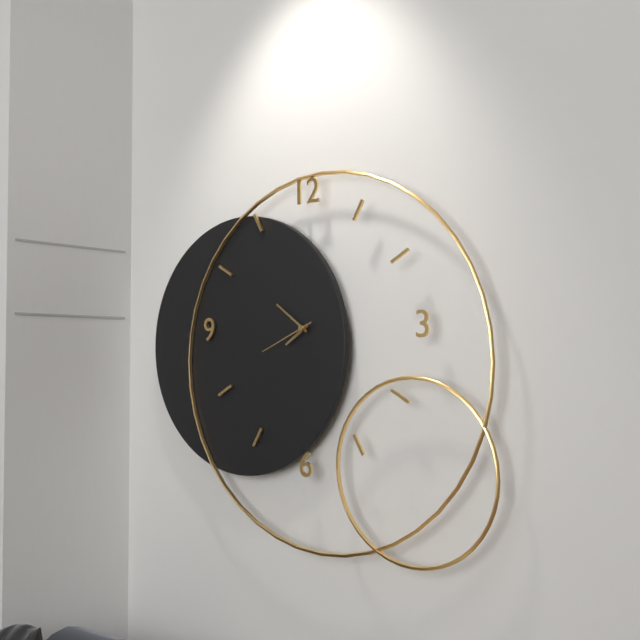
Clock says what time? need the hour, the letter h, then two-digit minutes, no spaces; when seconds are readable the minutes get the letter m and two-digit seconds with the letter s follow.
7h51m41s
